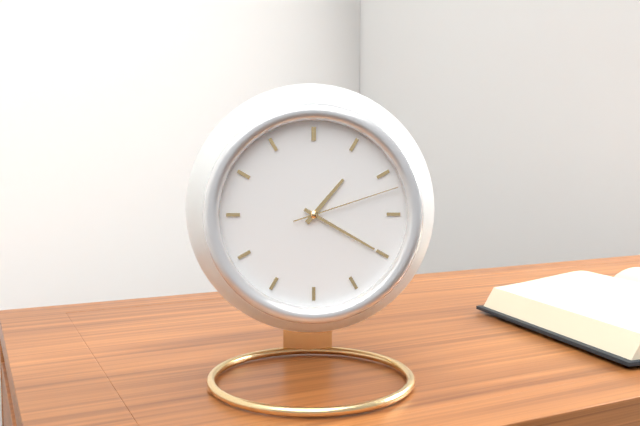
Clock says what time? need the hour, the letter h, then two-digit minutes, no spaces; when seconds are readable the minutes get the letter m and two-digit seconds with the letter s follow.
1h20m12s
